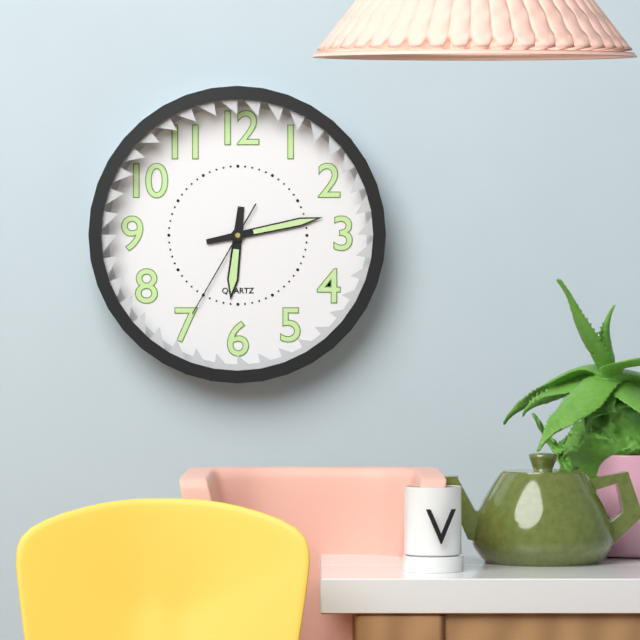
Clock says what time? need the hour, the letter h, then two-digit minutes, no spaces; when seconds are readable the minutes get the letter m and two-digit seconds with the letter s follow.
6h13m35s
